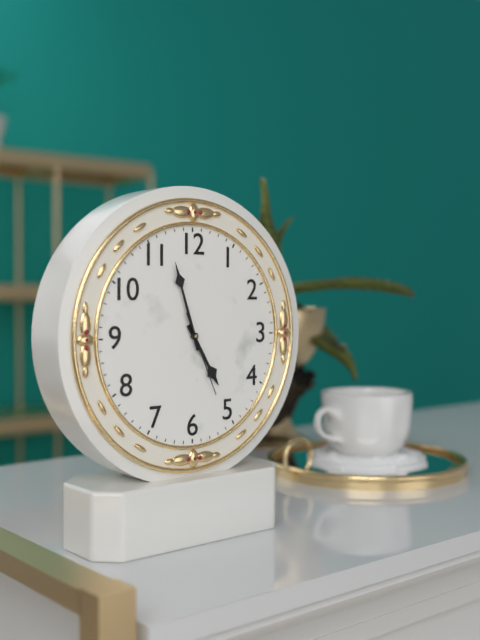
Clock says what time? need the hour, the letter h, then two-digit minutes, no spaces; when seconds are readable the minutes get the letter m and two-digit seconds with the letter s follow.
4h57m26s
